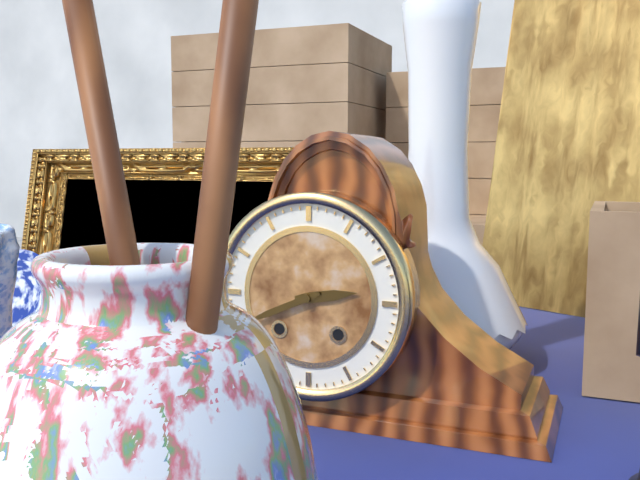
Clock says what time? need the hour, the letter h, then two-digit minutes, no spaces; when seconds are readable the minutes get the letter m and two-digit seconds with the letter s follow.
2h41
